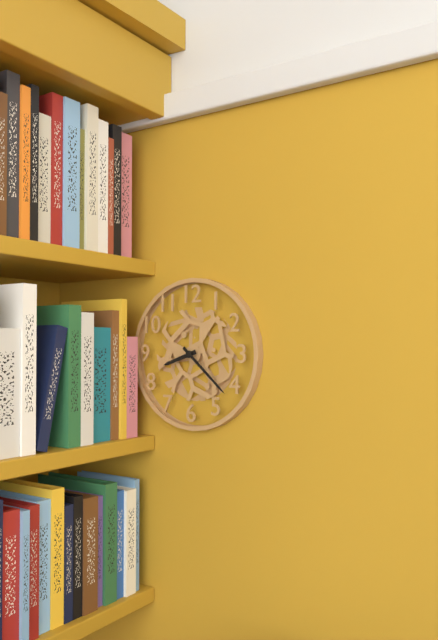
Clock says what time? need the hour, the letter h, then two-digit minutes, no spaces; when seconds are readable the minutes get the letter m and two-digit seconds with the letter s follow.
8h22
